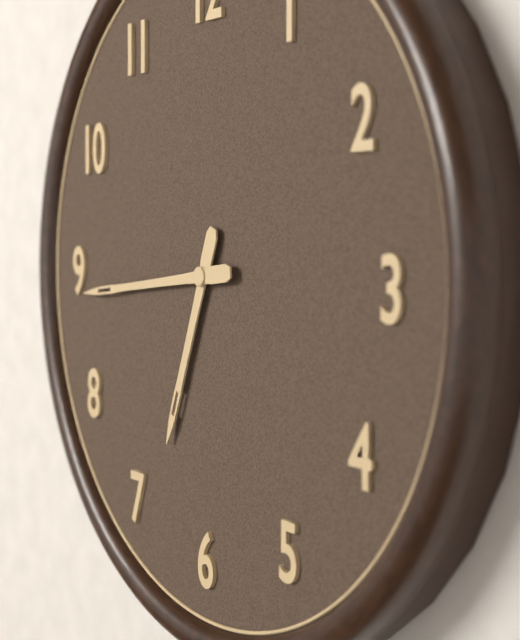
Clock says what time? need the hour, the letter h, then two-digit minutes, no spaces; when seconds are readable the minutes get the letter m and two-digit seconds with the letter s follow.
6h44
